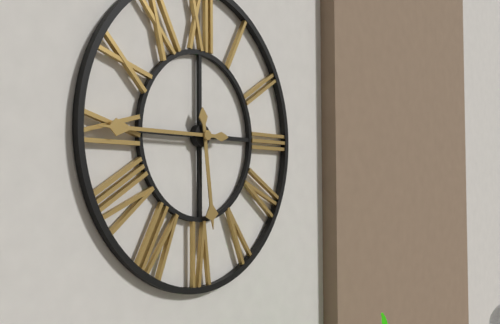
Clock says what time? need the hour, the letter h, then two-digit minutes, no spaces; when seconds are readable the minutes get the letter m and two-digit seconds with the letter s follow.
5h45
